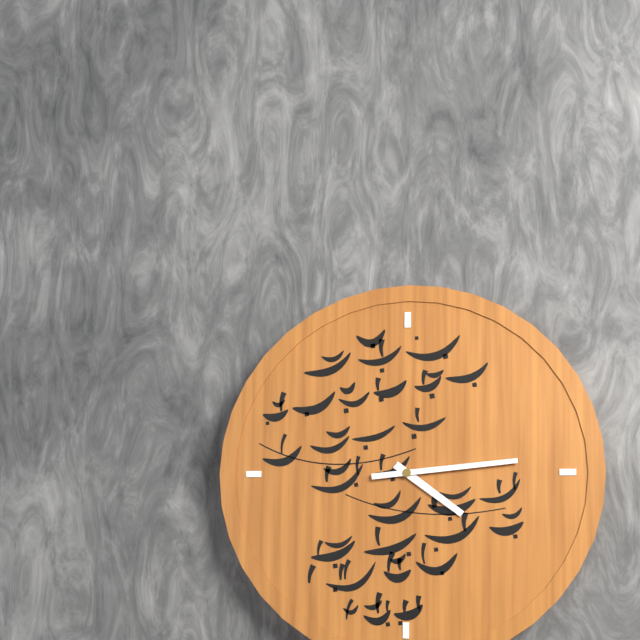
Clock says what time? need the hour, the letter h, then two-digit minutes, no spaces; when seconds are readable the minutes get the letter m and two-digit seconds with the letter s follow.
4h14
